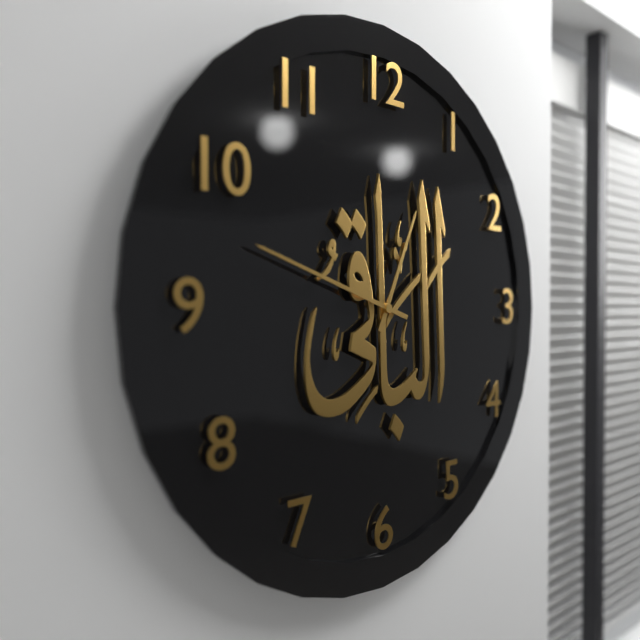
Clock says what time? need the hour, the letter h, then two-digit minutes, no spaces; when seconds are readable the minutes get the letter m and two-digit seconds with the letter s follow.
12h48
